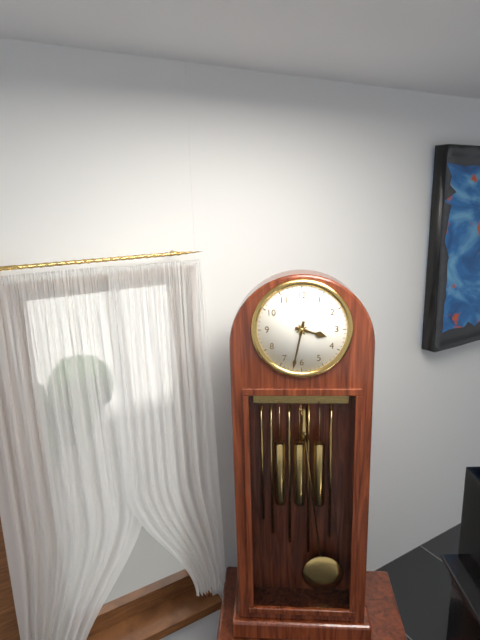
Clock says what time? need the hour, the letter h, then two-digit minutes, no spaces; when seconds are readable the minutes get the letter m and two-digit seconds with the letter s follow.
3h32
